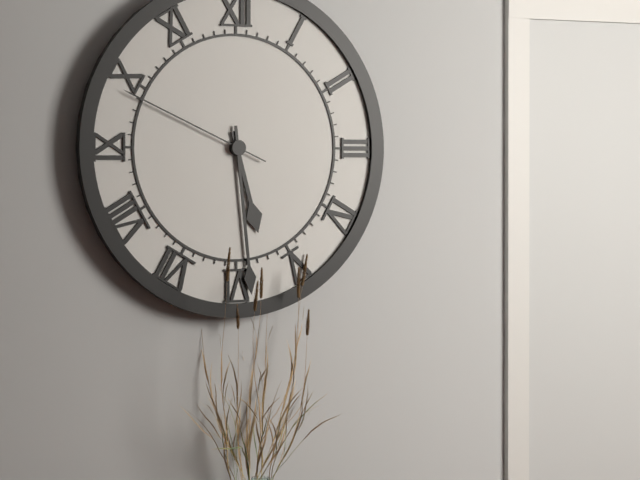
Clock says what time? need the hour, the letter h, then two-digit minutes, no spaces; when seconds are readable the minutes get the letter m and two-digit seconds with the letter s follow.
5h29m49s
